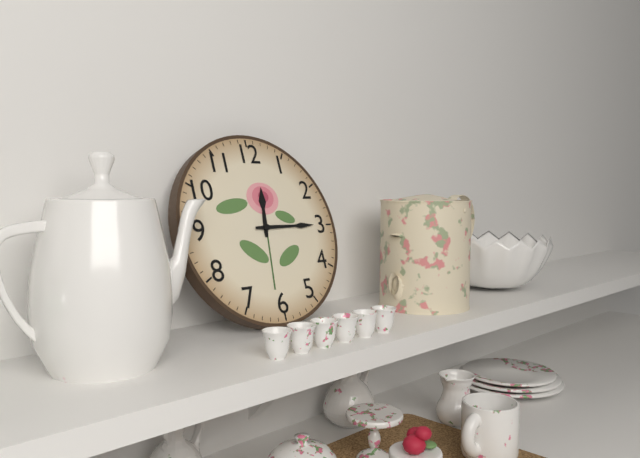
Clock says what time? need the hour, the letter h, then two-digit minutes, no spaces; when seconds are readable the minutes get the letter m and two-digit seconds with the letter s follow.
12h15
